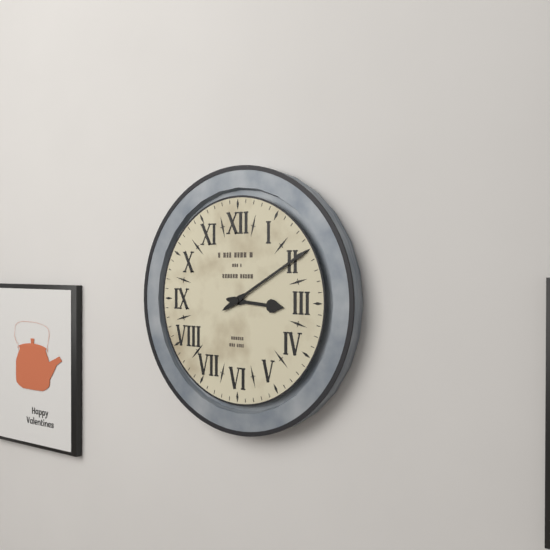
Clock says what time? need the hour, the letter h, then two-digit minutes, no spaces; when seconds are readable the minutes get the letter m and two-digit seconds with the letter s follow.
3h10
